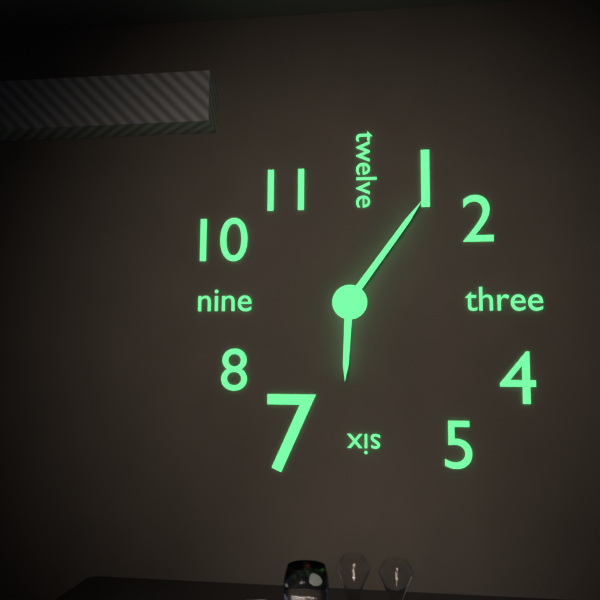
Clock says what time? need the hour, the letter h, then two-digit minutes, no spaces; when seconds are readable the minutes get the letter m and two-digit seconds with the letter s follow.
6h06
